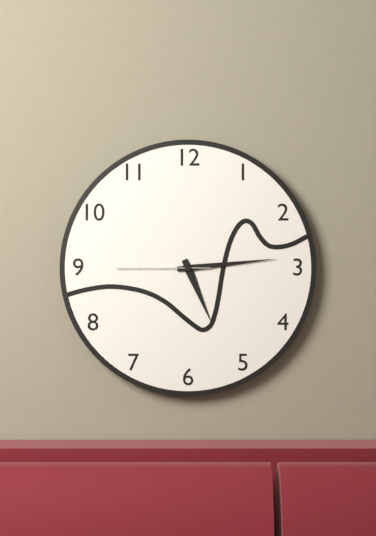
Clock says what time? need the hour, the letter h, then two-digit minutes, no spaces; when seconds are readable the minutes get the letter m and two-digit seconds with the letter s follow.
5h14m45s
